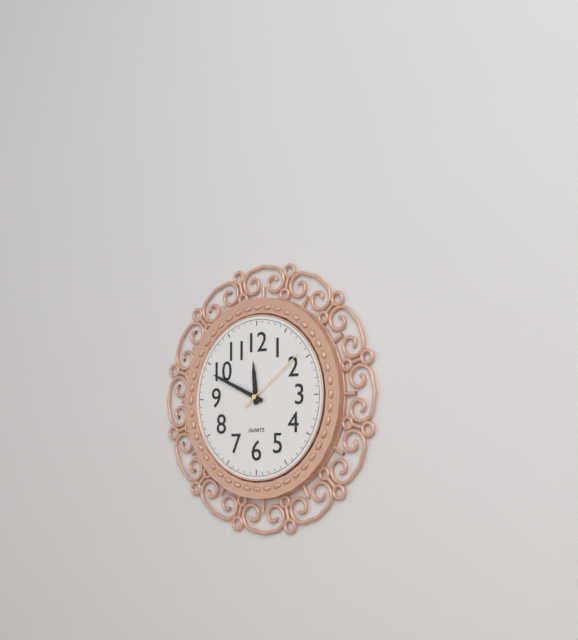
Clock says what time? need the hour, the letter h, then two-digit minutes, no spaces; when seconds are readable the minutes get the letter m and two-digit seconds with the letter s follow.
11h49m09s
